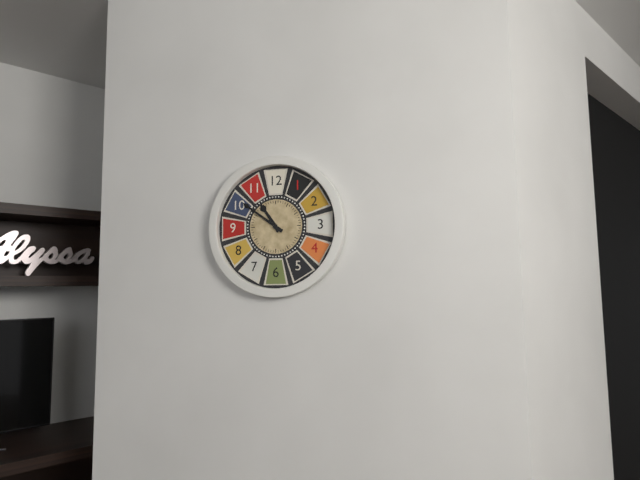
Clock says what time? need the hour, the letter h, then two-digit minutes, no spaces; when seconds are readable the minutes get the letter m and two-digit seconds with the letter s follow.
10h51
